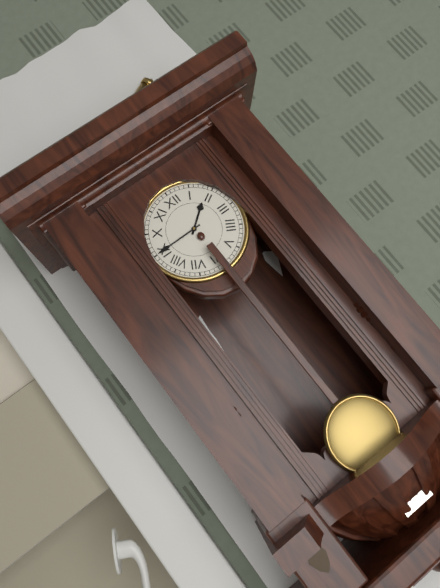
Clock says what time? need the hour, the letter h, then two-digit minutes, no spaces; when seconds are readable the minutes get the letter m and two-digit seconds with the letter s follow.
1h45
